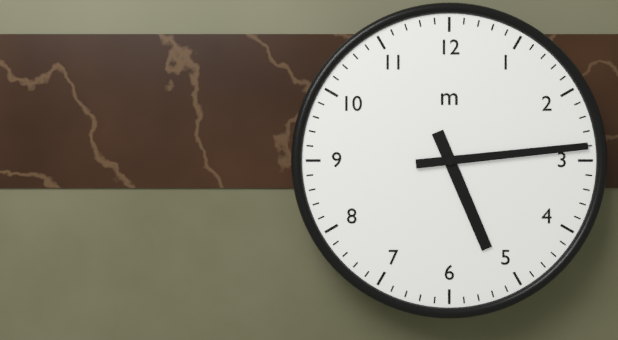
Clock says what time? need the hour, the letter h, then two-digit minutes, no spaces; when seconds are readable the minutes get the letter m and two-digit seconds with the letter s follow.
5h14
